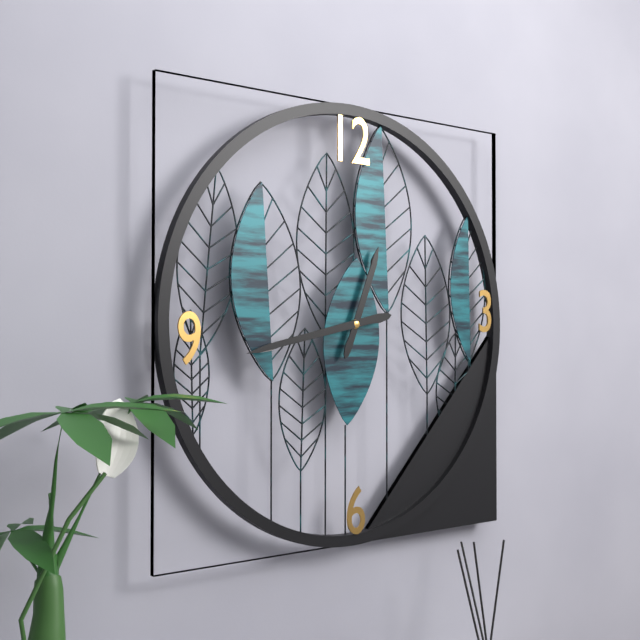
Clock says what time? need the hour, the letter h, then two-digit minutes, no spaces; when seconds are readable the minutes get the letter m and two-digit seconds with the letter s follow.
12h43
